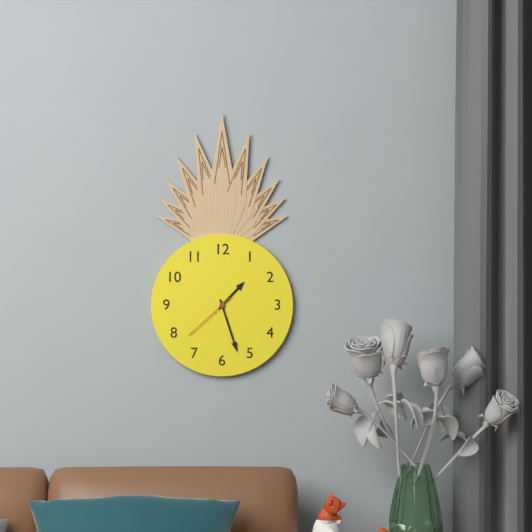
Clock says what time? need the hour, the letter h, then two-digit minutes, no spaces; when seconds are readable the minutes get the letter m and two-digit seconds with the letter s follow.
1h27m38s
